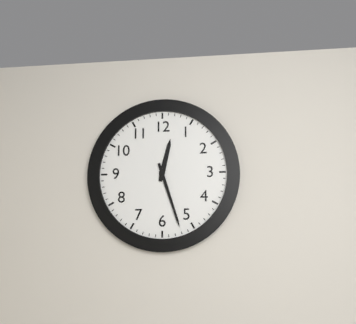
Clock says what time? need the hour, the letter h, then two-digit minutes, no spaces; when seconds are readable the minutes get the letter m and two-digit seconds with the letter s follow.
12h27
